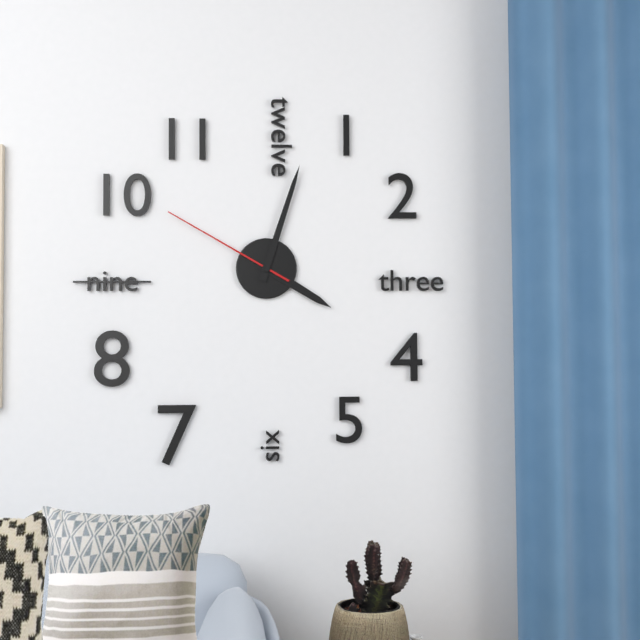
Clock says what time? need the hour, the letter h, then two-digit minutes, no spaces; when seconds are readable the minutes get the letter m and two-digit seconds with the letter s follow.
4h03m50s
